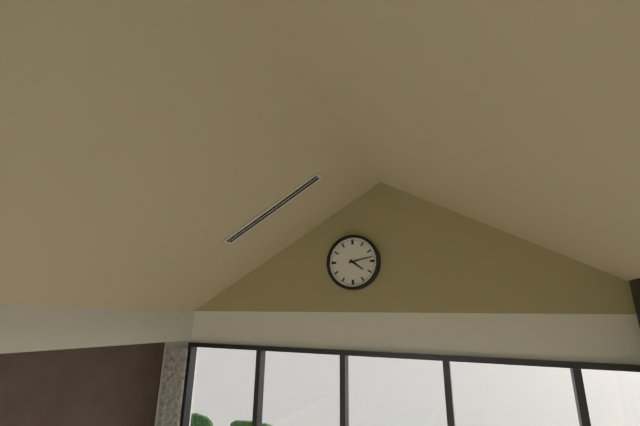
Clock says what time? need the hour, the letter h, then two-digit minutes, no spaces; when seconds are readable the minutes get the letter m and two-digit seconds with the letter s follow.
4h13
